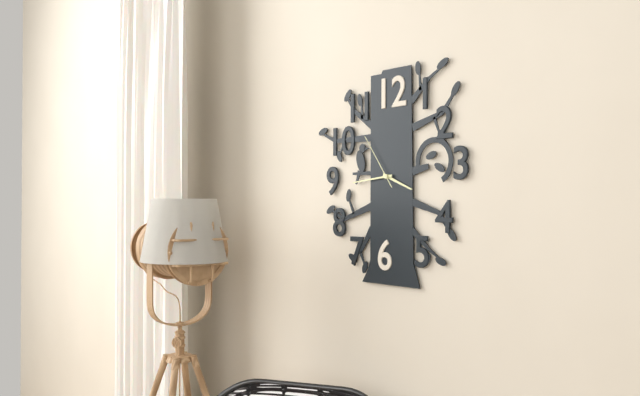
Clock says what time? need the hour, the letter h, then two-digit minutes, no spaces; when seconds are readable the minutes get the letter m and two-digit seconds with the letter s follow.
3h44m54s
